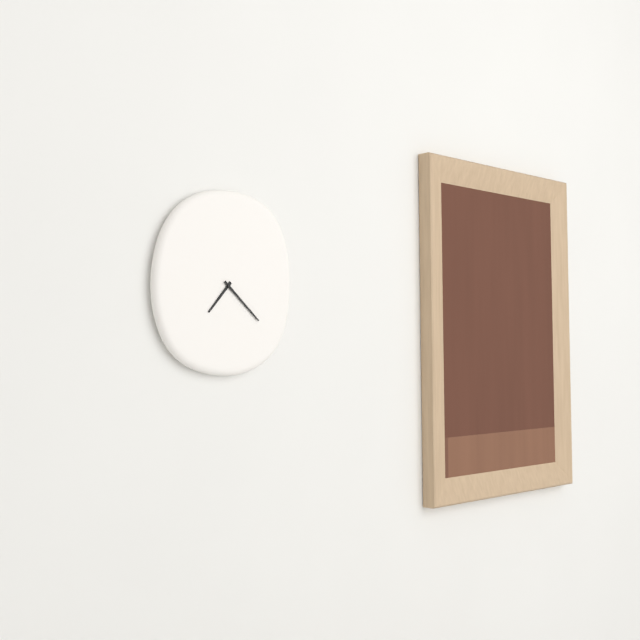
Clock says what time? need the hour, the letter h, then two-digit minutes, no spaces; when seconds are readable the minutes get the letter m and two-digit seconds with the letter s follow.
7h22
